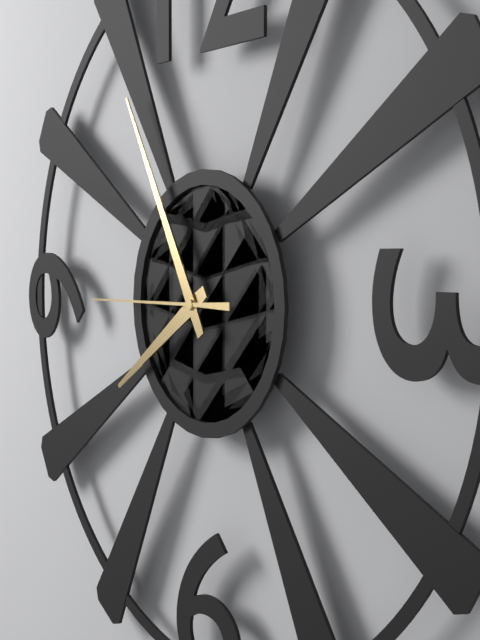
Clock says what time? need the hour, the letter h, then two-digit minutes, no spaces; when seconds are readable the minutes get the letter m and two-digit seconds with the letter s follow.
7h55m45s
